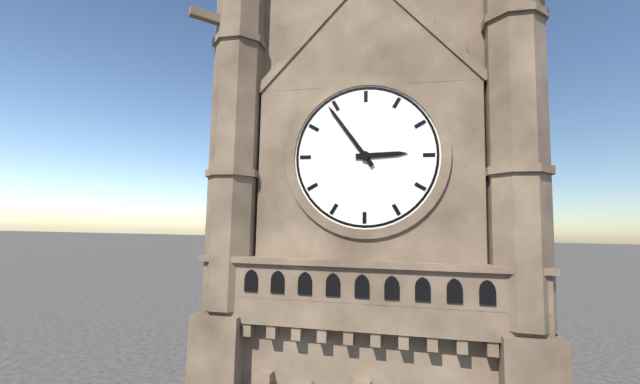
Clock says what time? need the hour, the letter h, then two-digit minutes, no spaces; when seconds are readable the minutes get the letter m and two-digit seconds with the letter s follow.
2h54
